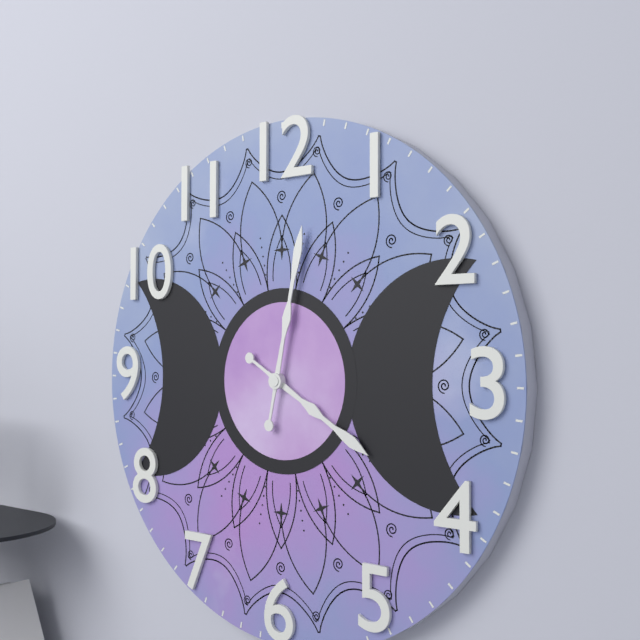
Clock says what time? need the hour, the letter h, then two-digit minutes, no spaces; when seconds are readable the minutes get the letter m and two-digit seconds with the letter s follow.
4h02
